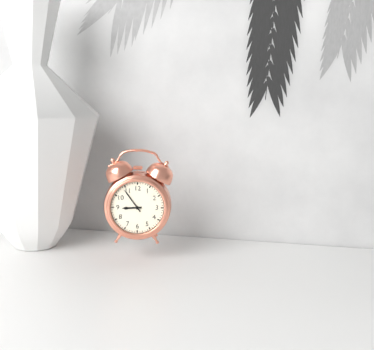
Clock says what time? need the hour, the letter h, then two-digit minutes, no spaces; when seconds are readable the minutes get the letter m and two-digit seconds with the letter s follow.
8h54
